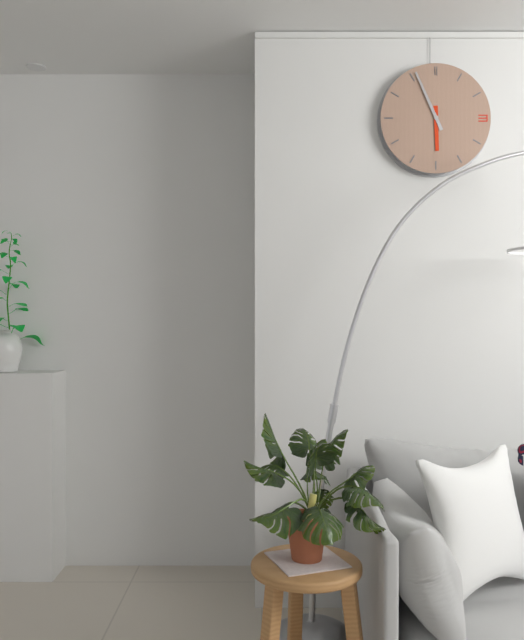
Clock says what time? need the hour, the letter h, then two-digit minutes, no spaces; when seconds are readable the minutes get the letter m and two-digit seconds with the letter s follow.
5h56
